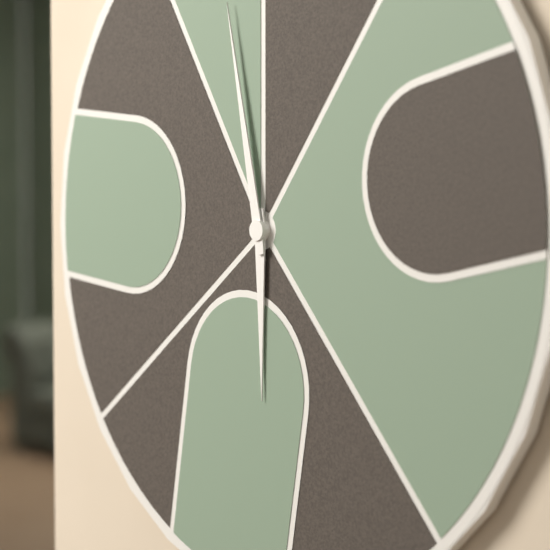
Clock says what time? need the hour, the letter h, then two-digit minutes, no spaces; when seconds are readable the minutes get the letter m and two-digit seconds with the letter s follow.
5h58
